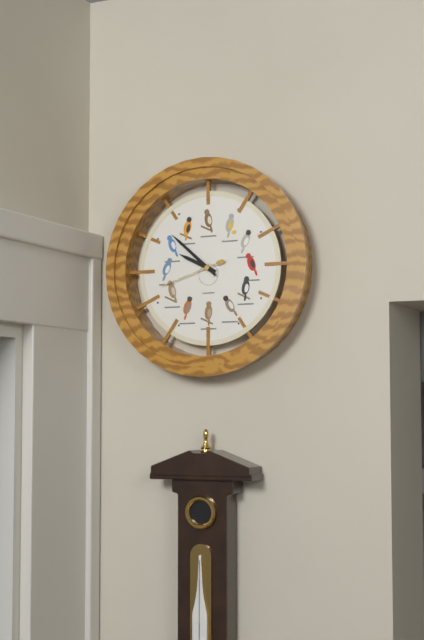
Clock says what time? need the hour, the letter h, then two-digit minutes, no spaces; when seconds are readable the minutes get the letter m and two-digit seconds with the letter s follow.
9h52m42s
